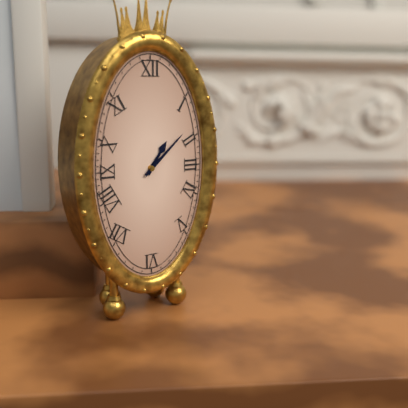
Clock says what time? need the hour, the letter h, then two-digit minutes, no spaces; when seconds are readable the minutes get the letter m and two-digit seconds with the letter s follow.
1h08
